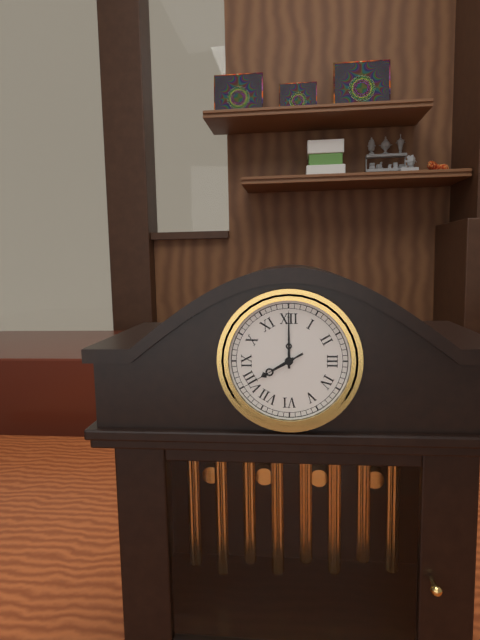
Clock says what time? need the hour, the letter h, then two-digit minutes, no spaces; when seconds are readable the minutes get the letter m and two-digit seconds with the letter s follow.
8h00m40s
